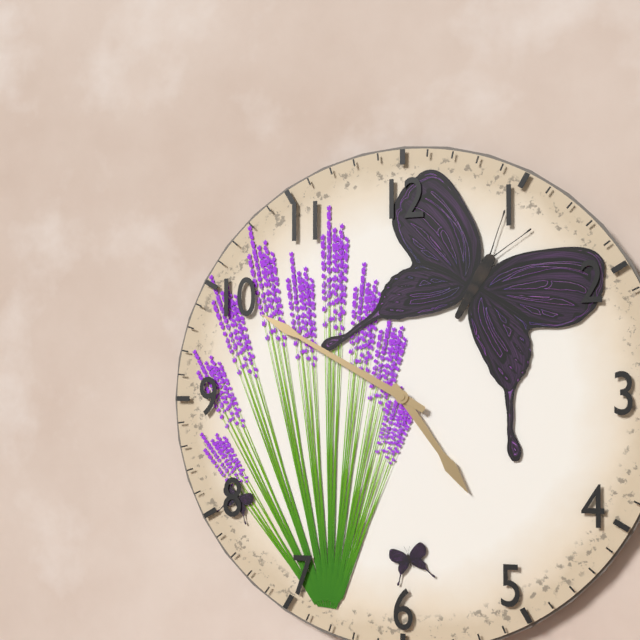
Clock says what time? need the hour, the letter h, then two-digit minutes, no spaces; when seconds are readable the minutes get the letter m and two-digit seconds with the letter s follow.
4h50
